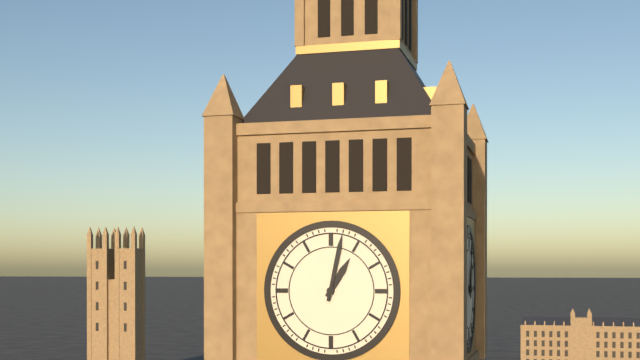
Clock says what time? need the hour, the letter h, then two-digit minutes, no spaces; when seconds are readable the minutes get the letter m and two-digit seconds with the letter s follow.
1h02
